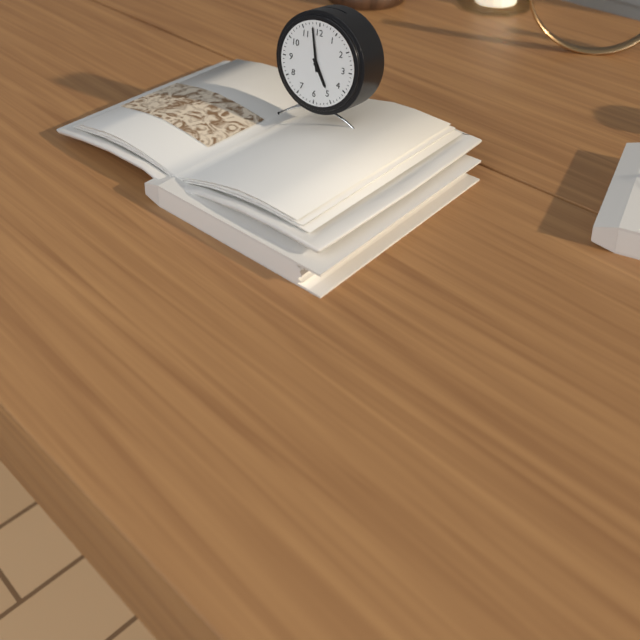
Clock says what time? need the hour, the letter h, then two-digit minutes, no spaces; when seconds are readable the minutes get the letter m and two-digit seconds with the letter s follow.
4h58
